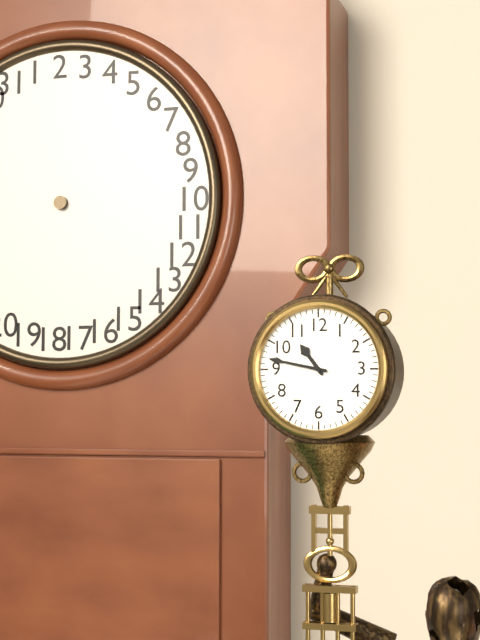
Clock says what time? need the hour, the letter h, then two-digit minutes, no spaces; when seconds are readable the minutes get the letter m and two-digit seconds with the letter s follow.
10h47
